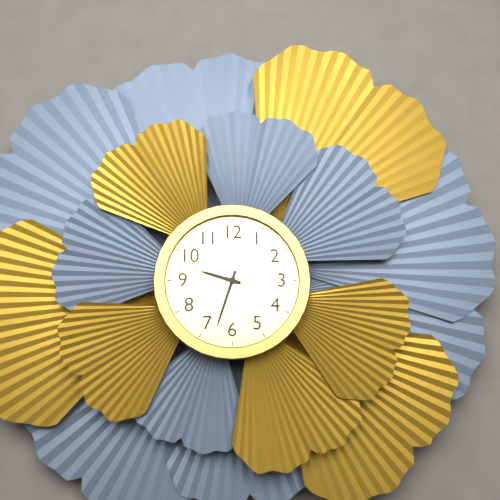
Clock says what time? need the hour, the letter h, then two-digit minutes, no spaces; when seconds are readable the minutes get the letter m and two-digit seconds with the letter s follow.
9h33
